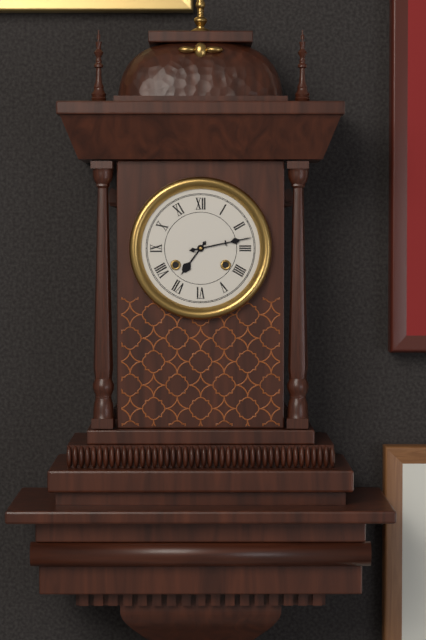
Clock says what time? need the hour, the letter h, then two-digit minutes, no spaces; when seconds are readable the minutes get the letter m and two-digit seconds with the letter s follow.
7h13
